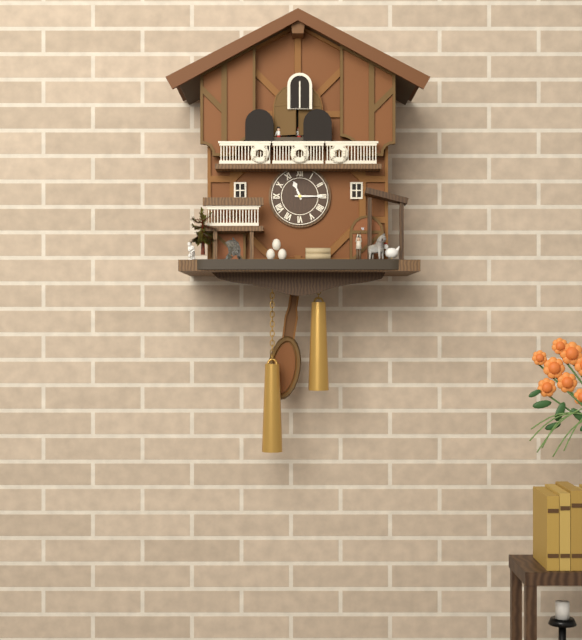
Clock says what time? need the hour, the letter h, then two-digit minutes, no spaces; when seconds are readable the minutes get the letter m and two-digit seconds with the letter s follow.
11h15
